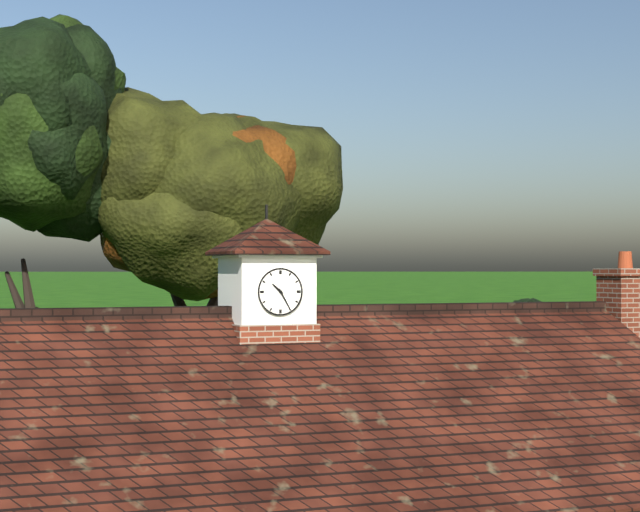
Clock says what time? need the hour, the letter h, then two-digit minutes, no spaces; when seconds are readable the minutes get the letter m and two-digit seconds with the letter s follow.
10h25
